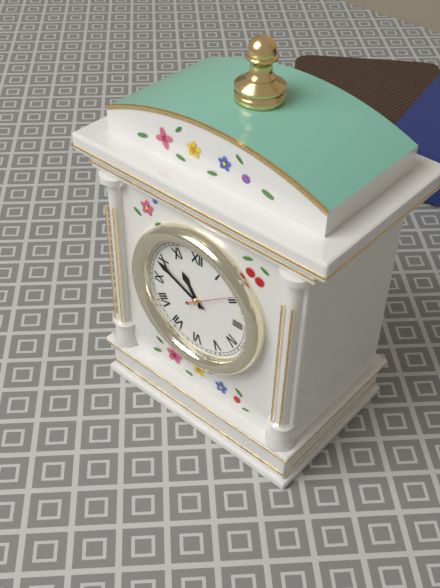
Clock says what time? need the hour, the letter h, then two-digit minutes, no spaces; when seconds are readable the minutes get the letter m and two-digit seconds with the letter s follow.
10h49
